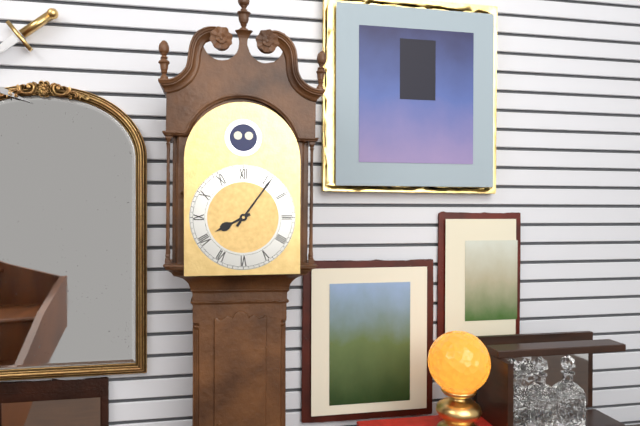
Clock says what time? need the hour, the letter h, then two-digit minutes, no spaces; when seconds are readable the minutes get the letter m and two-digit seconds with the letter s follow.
8h06
